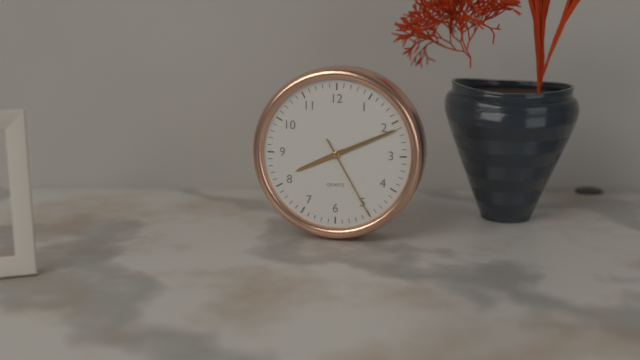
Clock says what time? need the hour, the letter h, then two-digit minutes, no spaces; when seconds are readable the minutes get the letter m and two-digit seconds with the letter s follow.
8h11m25s
